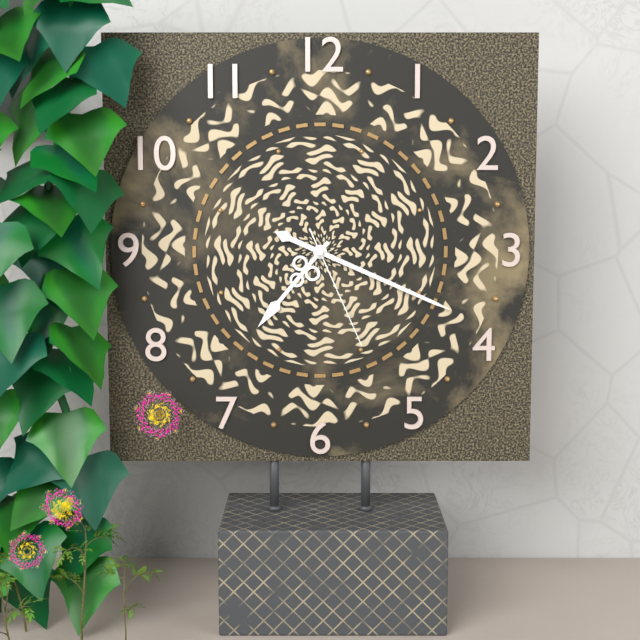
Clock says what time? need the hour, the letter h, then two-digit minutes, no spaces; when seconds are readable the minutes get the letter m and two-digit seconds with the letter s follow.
7h19m26s
